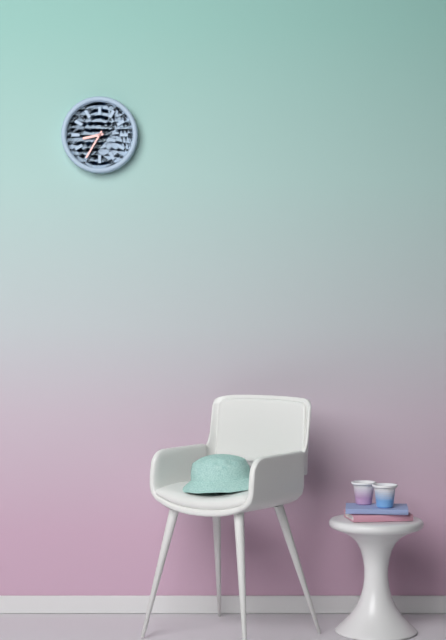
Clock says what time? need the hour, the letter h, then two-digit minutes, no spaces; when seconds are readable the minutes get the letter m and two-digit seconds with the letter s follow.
8h35
